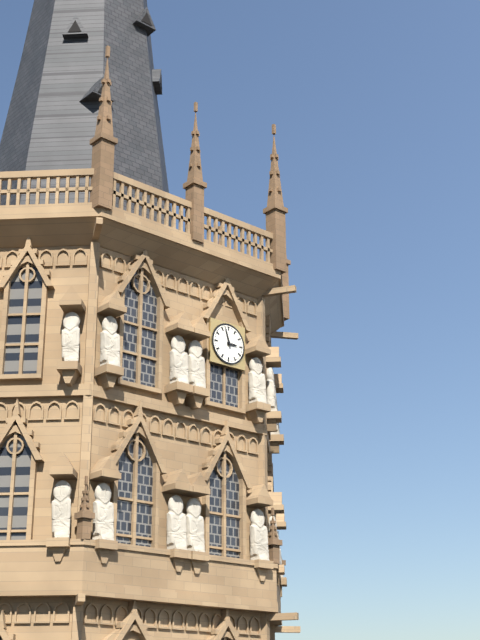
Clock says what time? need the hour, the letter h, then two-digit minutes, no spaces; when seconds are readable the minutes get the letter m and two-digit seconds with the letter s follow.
2h57
